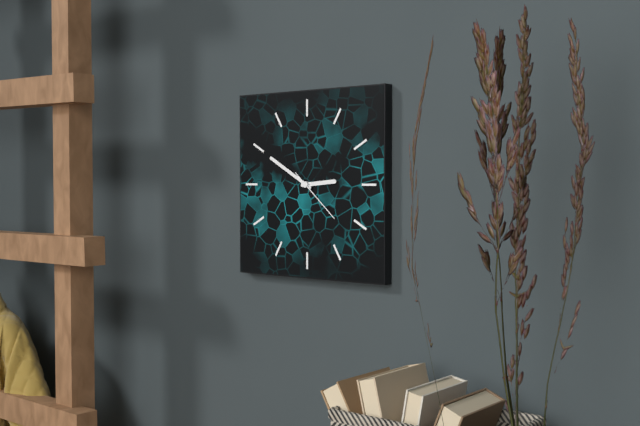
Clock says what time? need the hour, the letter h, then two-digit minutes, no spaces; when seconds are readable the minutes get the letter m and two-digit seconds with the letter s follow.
2h50m22s
